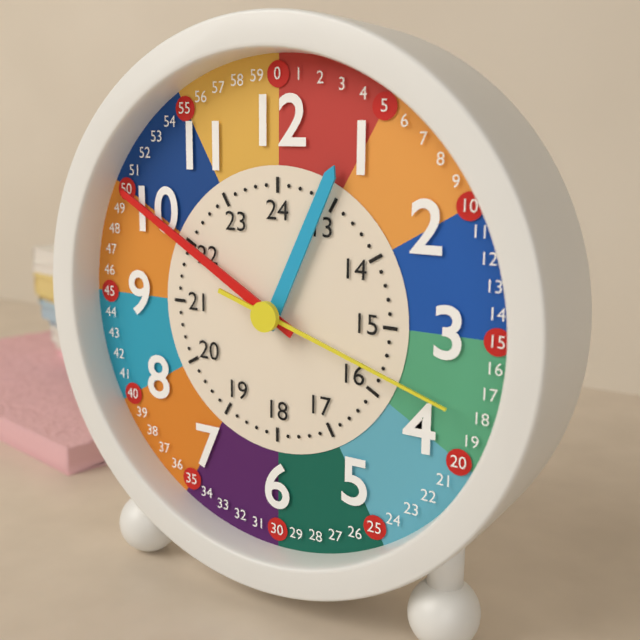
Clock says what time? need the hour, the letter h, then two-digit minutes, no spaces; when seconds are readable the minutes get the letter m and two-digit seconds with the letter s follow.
12h50m18s
